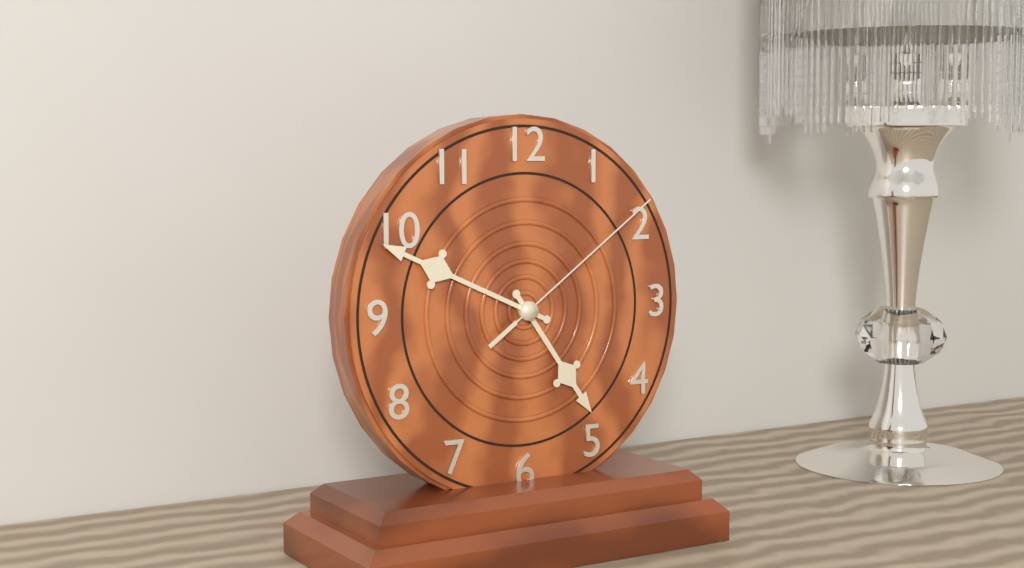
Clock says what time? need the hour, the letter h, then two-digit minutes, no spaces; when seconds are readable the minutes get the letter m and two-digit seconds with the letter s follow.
4h49m09s
